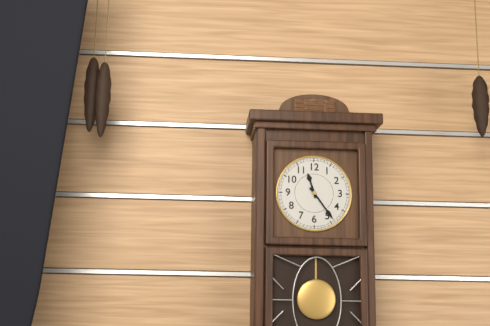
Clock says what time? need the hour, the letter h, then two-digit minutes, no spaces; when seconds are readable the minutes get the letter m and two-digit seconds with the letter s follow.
11h24
